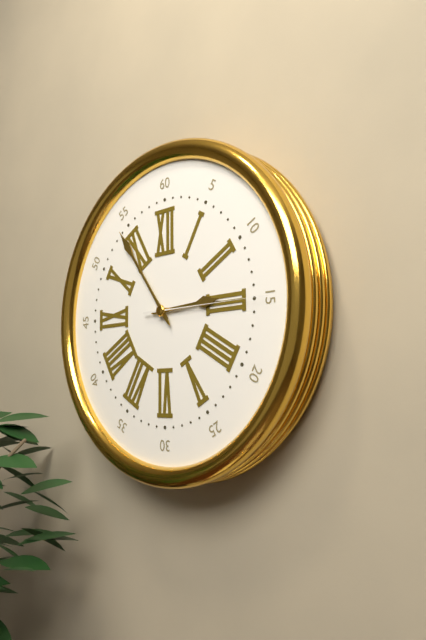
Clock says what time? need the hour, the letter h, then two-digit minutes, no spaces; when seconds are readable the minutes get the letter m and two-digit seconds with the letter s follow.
2h54m15s
